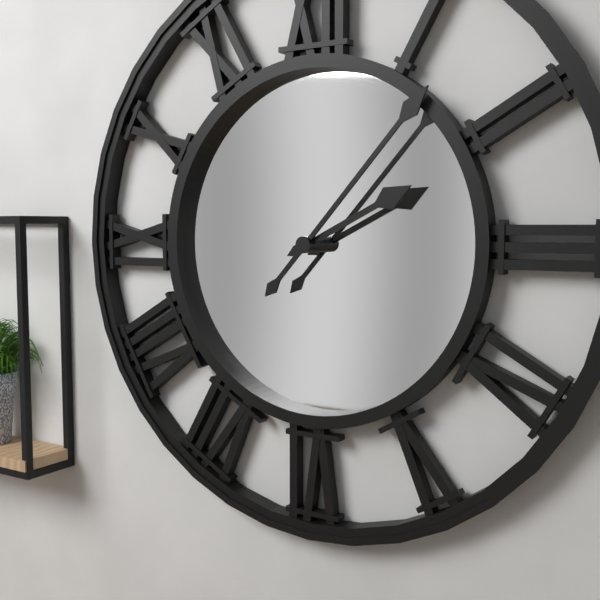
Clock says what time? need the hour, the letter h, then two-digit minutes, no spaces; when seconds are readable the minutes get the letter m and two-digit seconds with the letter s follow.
2h07
